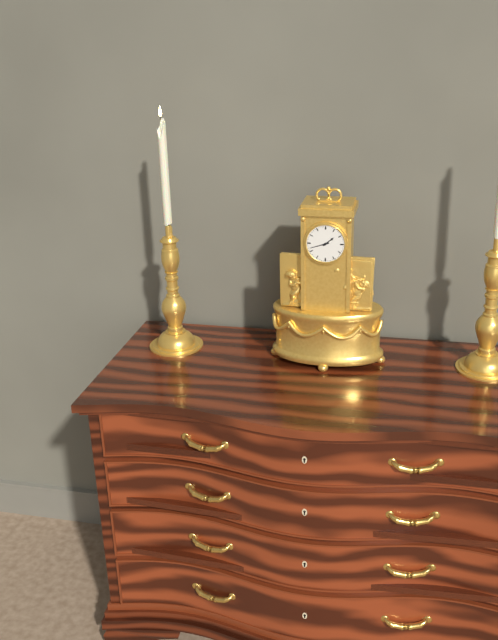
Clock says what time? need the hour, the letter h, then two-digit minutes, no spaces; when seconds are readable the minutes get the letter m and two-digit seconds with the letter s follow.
1h42
